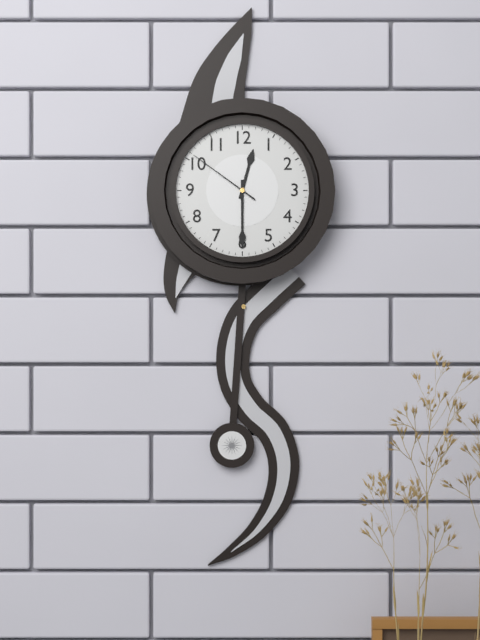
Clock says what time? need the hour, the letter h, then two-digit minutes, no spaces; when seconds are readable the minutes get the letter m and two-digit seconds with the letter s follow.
12h30m51s
